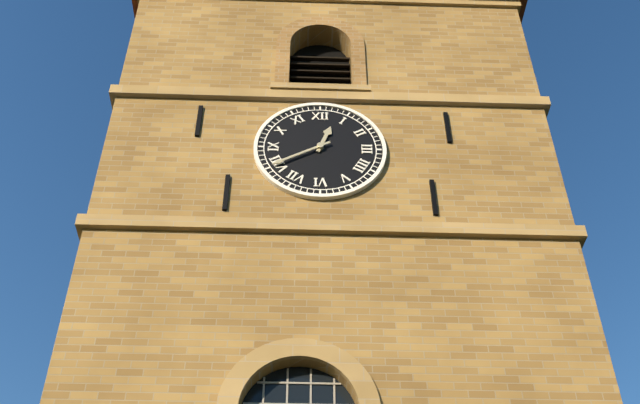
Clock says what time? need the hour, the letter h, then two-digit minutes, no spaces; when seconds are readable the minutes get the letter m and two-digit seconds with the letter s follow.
12h40
